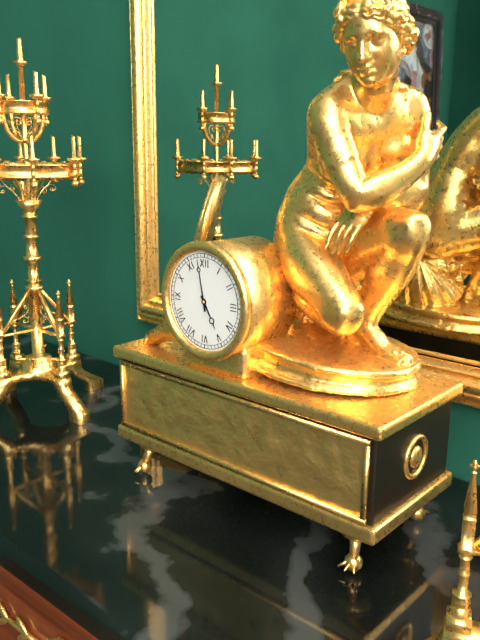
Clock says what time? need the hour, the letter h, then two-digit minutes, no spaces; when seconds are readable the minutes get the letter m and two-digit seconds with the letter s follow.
4h58
